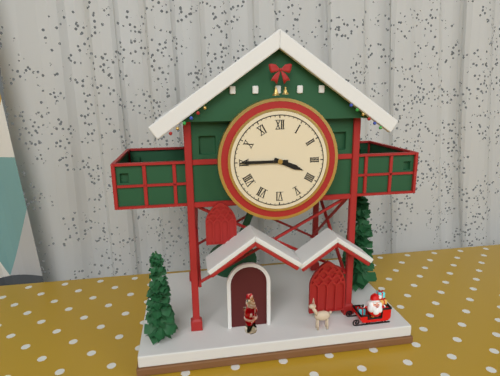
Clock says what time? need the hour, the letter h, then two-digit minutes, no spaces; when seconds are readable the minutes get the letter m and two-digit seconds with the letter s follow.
3h45
